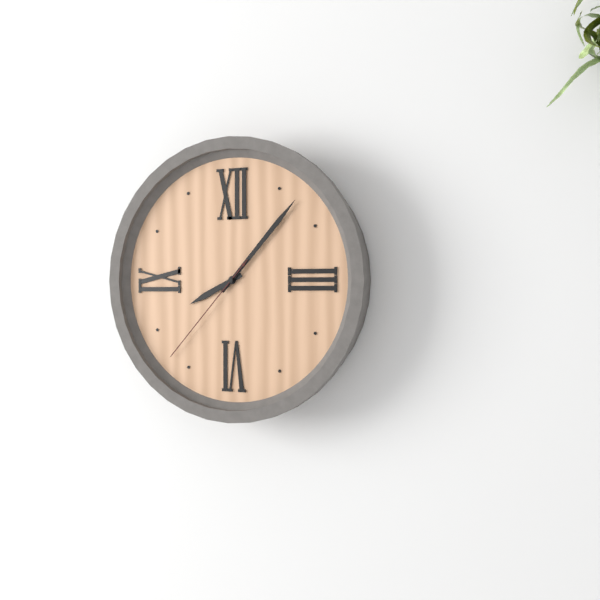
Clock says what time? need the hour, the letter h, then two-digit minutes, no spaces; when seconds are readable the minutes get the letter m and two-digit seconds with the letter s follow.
8h07m37s
